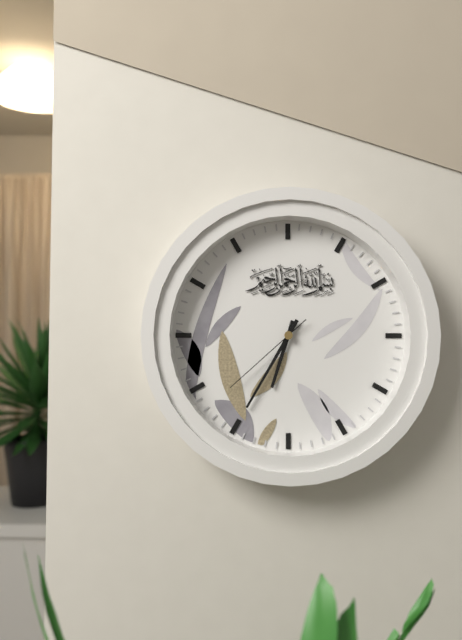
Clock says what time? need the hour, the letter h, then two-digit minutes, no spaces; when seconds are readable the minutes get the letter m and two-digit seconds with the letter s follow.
6h35m38s
